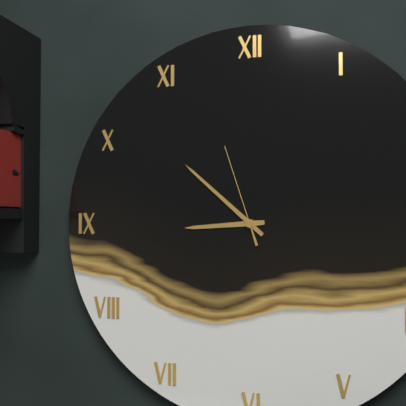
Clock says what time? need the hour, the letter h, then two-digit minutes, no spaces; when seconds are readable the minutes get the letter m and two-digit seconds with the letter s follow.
8h52m57s
